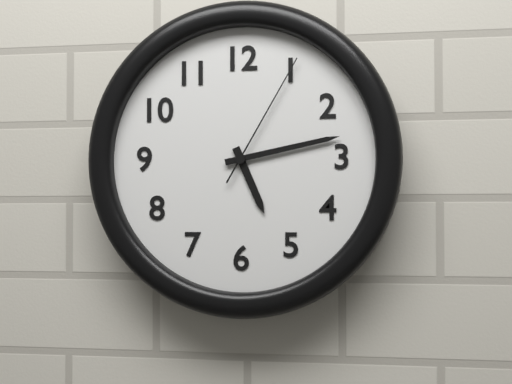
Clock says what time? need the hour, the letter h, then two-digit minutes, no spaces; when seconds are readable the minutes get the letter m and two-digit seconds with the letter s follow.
5h13m05s
